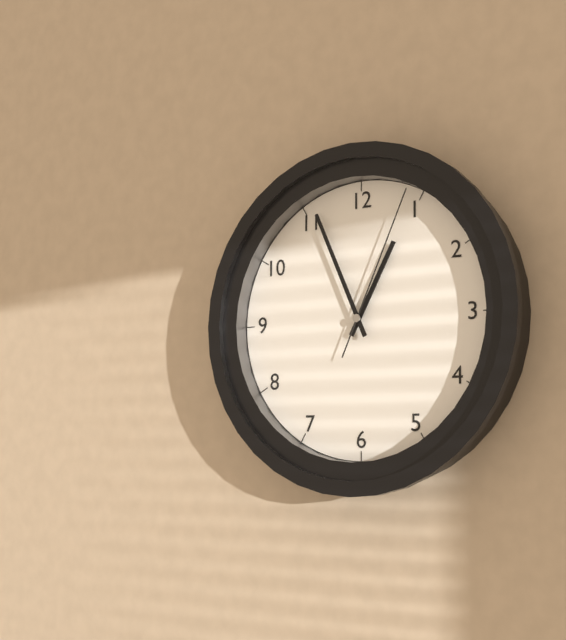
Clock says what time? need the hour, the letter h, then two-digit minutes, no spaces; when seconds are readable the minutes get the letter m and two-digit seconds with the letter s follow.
12h56m04s
